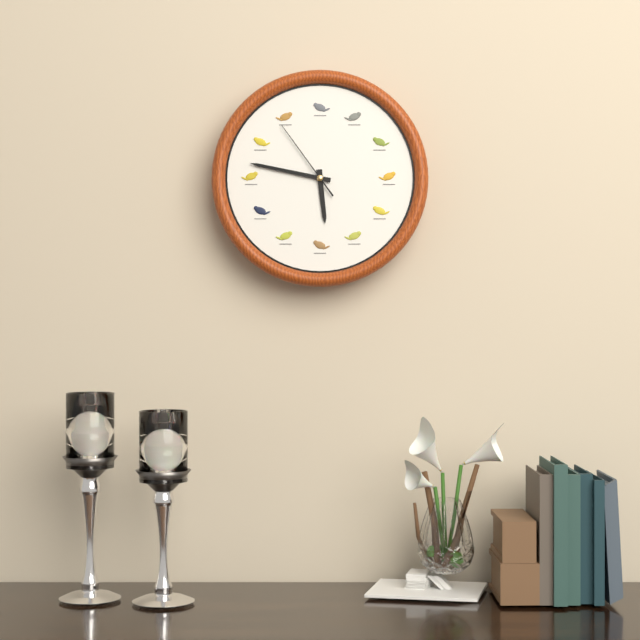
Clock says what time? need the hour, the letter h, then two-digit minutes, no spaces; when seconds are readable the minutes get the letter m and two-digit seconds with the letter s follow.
5h47m54s
